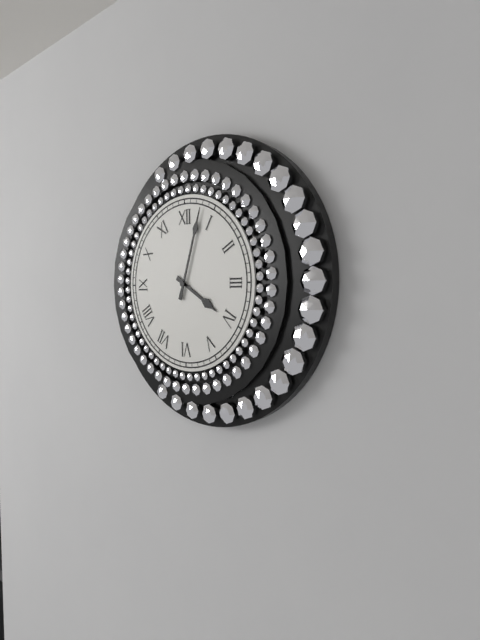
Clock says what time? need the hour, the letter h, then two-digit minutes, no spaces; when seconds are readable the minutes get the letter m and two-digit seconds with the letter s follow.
4h03
